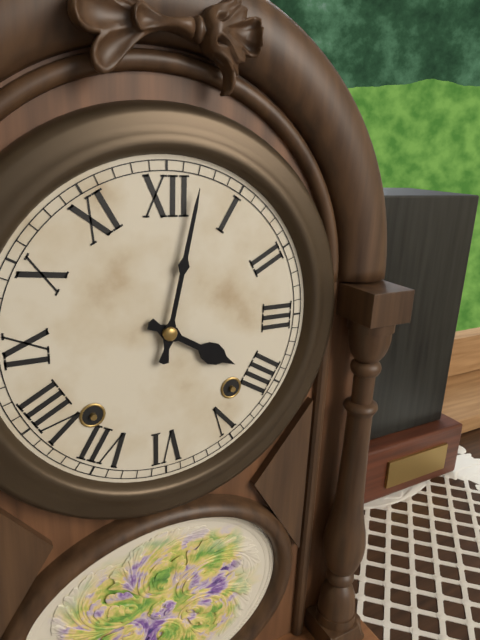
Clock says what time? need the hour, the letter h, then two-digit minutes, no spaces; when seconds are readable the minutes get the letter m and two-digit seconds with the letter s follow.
4h02
